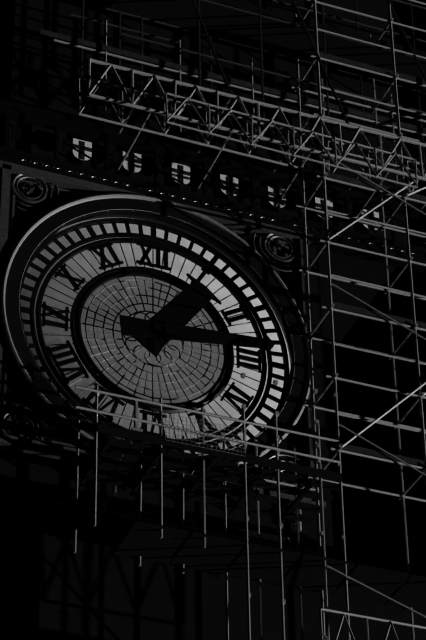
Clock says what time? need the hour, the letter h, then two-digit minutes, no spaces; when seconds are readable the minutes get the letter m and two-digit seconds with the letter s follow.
1h14
